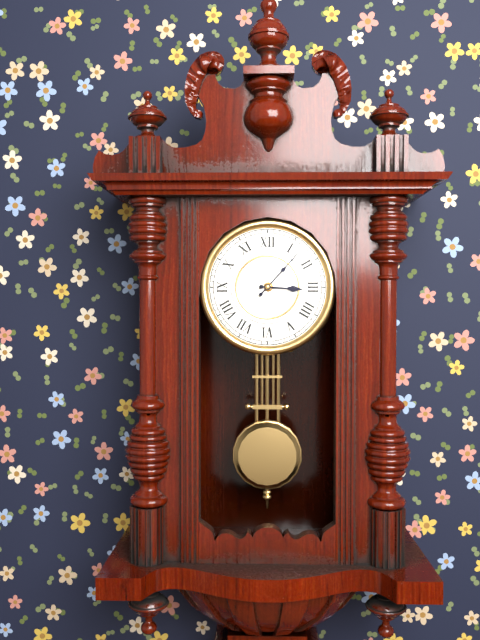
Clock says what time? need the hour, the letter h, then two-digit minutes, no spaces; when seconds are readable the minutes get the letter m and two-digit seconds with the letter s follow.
3h07
